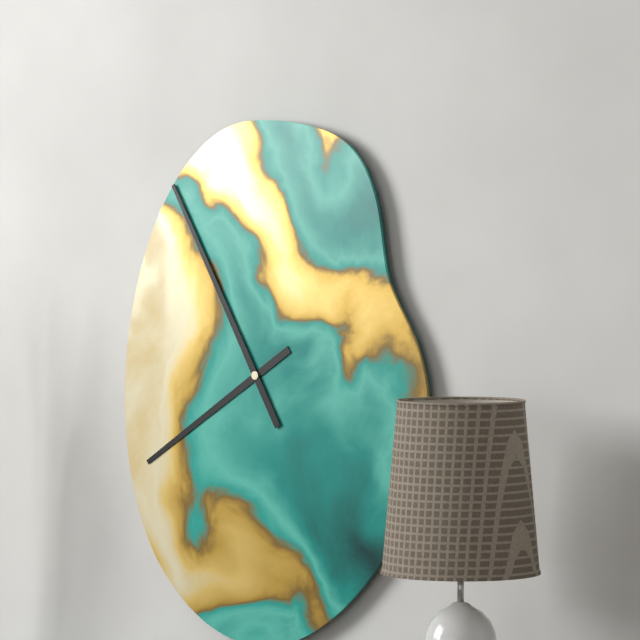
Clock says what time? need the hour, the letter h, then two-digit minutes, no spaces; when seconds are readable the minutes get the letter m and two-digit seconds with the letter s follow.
7h55
